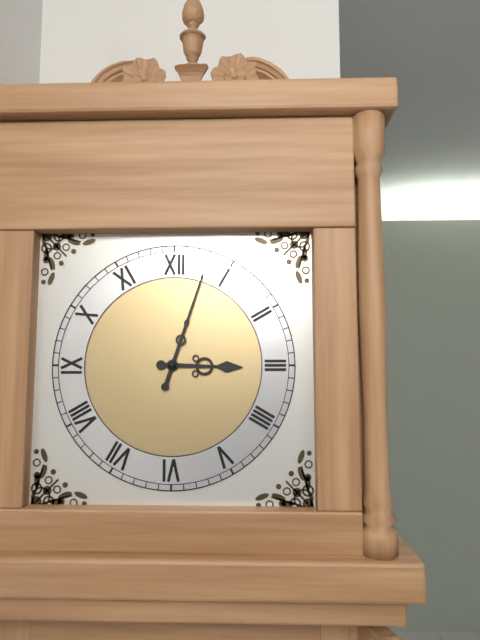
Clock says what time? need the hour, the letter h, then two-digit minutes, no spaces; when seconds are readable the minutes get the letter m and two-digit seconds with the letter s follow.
3h03
